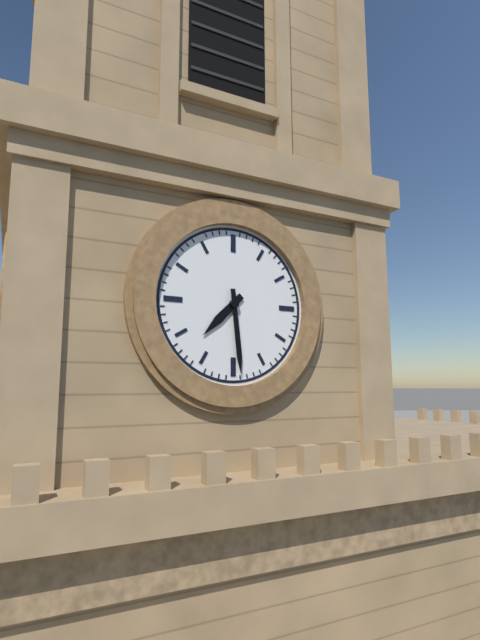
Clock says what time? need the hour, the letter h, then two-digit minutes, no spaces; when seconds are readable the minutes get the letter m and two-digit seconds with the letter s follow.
7h29
